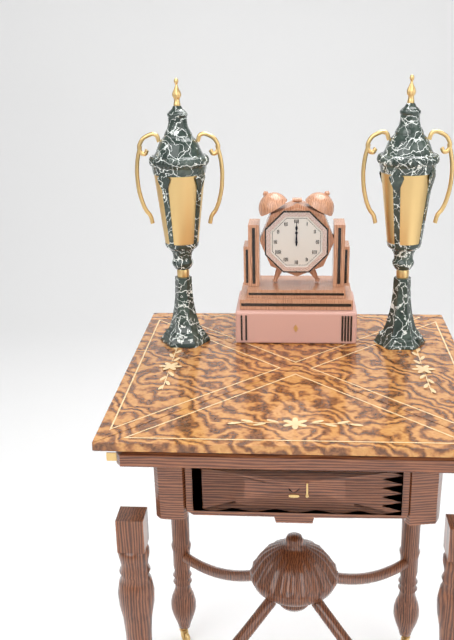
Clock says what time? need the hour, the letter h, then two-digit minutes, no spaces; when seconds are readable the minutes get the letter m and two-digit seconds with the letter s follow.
12h00
